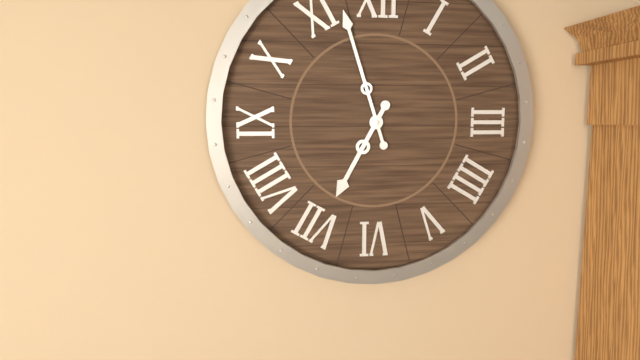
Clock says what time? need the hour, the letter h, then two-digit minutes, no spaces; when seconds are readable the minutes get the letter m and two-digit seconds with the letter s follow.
6h57
